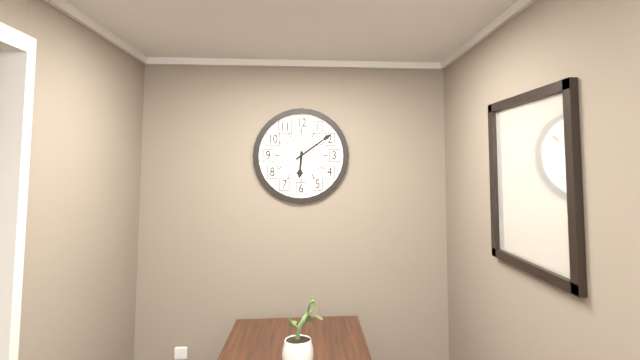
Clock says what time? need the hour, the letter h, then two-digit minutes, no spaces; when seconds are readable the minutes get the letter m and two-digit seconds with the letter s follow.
6h09
